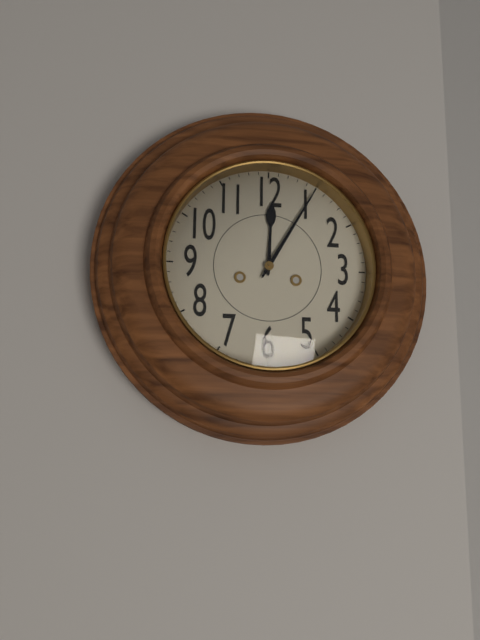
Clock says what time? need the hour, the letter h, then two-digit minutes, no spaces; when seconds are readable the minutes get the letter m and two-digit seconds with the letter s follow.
12h05
